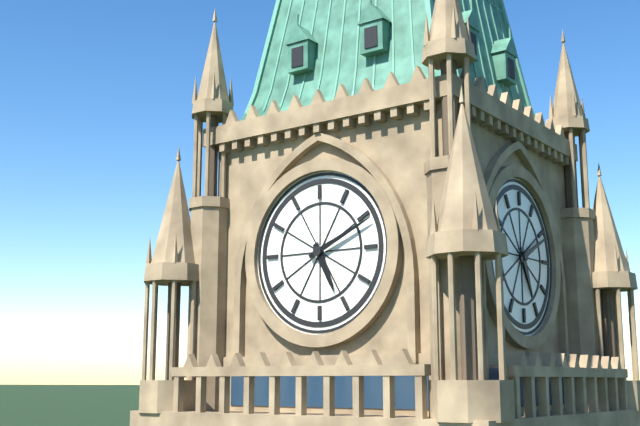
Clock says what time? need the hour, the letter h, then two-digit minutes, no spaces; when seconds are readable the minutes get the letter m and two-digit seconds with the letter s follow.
5h11
